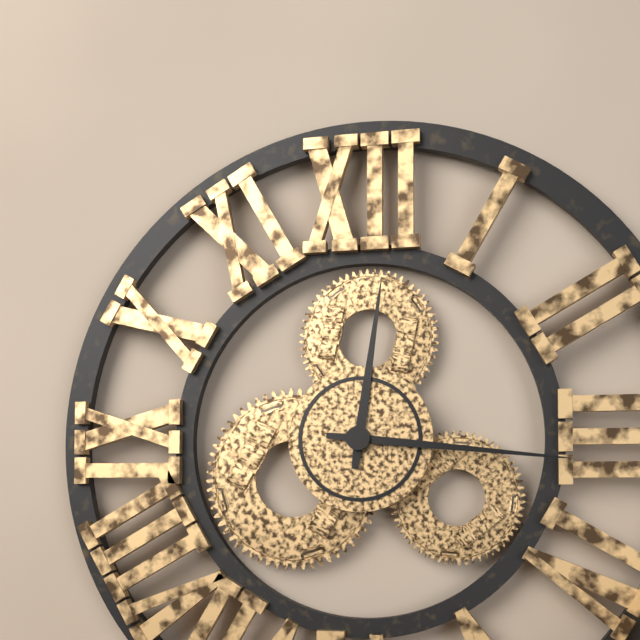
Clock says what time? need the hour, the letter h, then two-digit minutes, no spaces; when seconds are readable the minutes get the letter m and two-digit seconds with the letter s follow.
12h16
